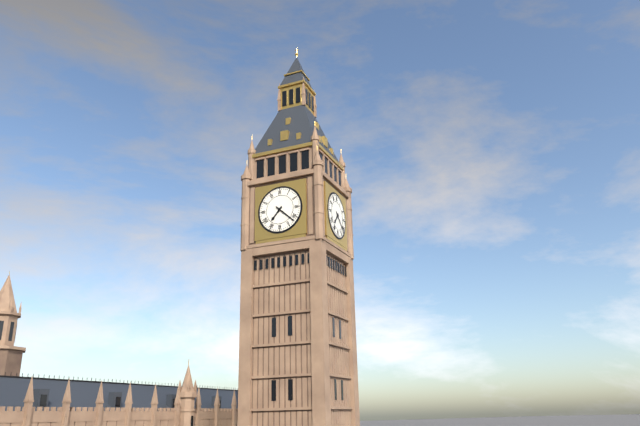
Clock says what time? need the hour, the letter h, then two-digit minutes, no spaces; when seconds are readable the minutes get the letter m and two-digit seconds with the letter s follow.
7h22
